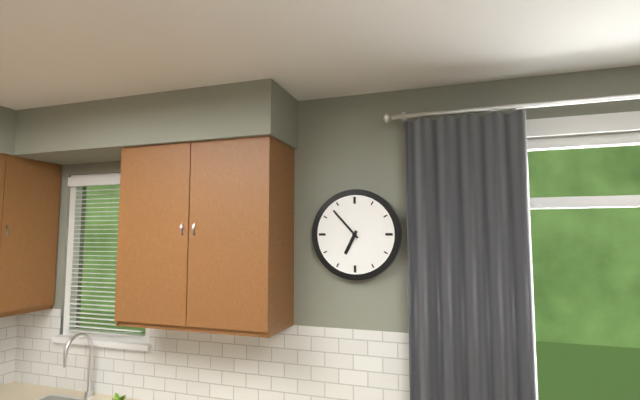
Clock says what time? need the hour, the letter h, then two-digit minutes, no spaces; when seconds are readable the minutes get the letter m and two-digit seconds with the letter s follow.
6h53
